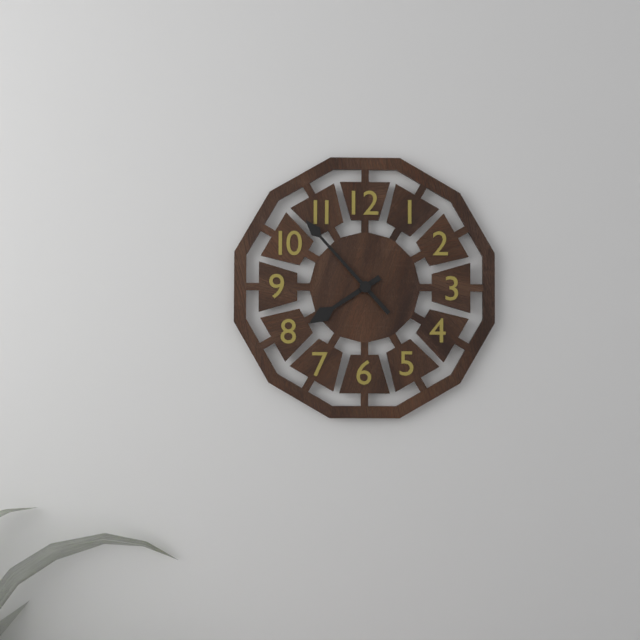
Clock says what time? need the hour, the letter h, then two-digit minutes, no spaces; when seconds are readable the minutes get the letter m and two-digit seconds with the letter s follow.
7h53
